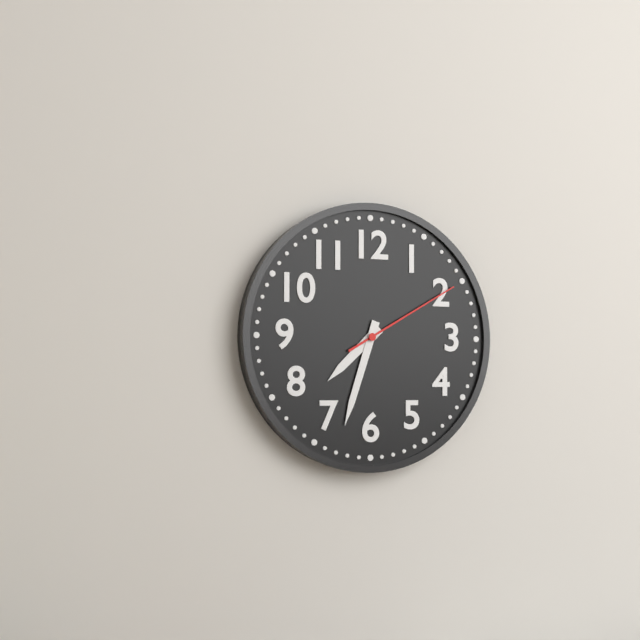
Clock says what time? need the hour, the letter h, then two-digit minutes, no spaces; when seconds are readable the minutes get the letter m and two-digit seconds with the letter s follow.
7h33m10s
